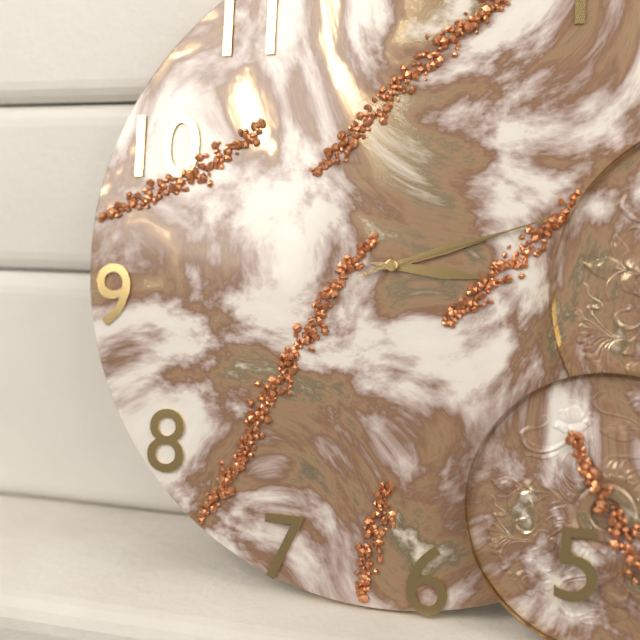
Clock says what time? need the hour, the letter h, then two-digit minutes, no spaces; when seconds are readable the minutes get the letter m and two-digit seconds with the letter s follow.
3h12m12s
